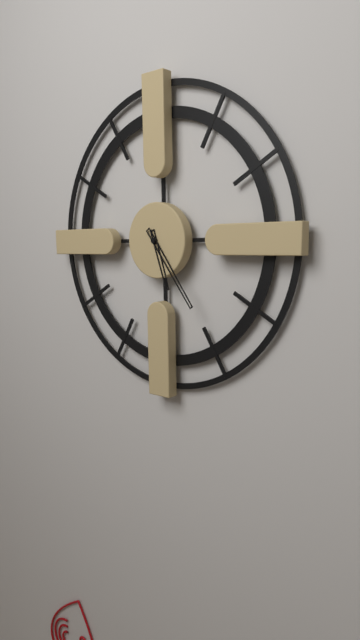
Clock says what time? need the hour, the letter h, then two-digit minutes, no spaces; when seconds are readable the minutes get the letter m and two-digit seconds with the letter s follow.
5h24
